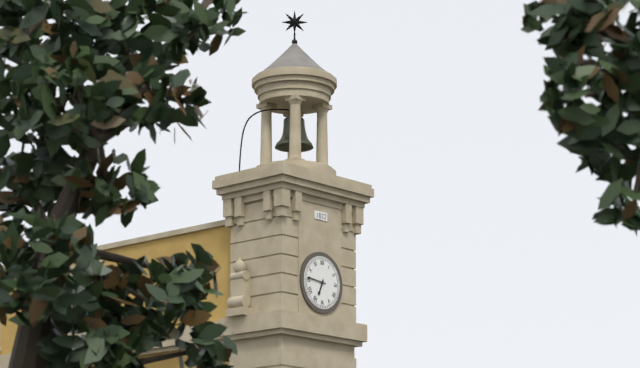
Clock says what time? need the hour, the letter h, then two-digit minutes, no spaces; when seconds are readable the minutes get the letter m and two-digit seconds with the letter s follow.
6h46
